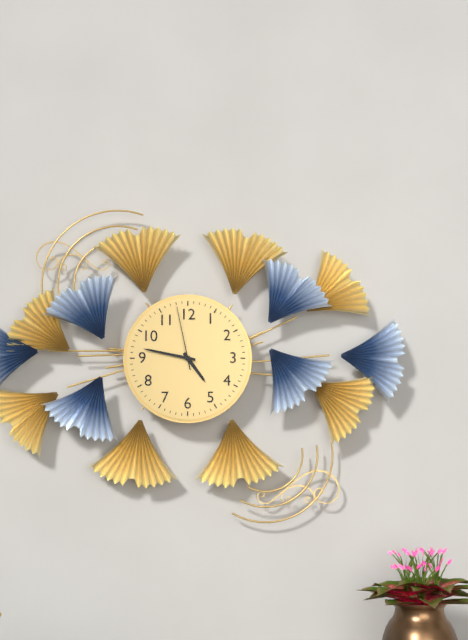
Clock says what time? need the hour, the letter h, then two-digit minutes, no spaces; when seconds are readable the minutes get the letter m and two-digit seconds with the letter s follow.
4h47m58s
